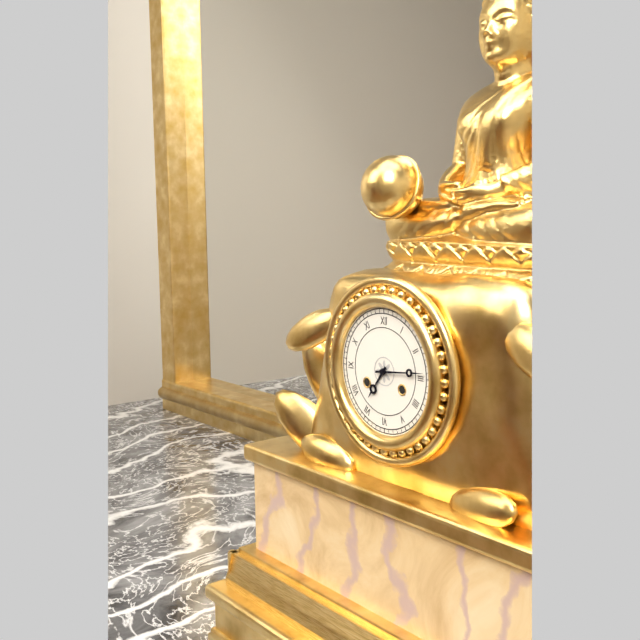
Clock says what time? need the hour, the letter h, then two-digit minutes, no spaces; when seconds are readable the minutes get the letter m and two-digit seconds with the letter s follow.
7h14
